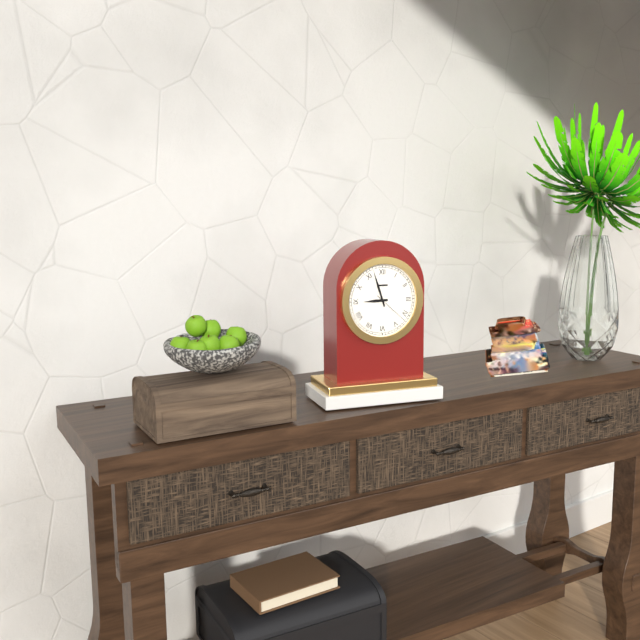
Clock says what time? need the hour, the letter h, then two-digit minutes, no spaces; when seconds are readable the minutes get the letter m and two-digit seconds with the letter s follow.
8h57
